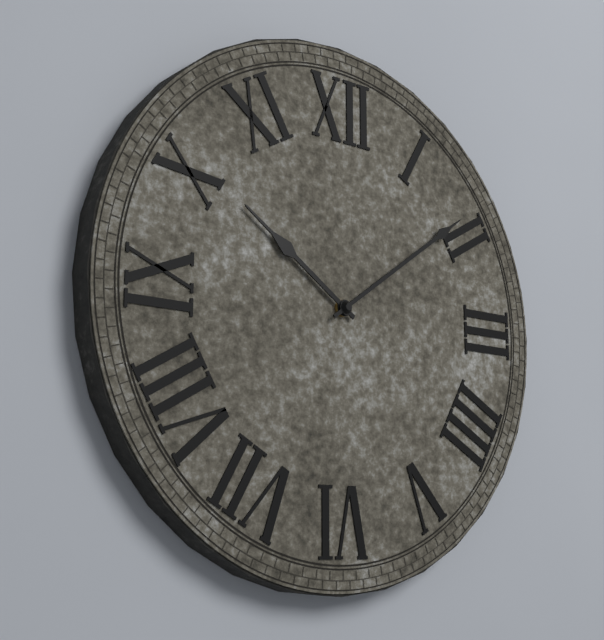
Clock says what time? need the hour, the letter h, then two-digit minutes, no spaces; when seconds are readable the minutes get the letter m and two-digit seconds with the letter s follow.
10h09
